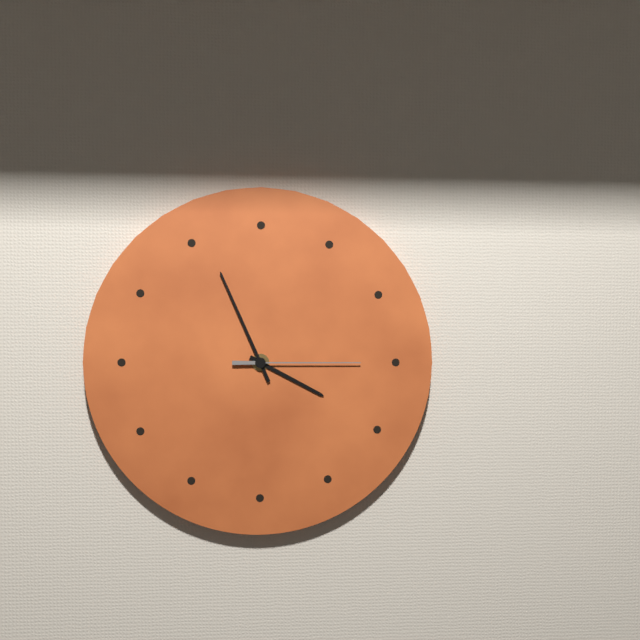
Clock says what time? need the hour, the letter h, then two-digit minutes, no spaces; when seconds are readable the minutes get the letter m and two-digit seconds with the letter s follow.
3h56m15s
